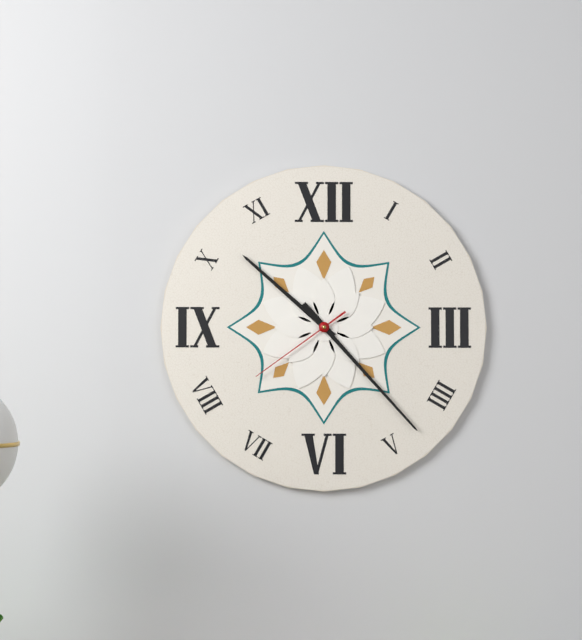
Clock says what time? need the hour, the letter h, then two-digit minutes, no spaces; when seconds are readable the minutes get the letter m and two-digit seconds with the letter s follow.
10h23m39s
